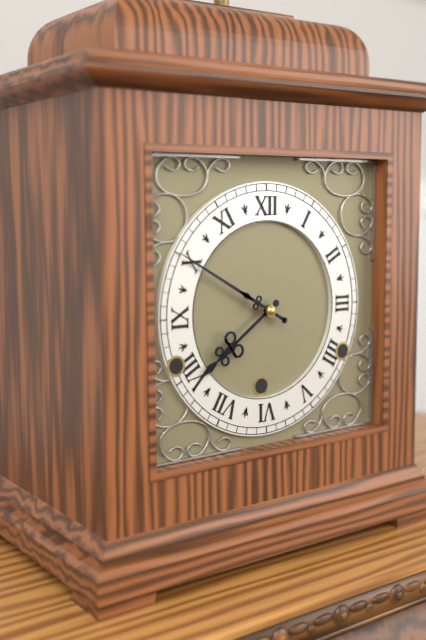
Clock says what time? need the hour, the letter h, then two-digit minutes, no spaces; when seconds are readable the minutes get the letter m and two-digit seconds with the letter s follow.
7h50
